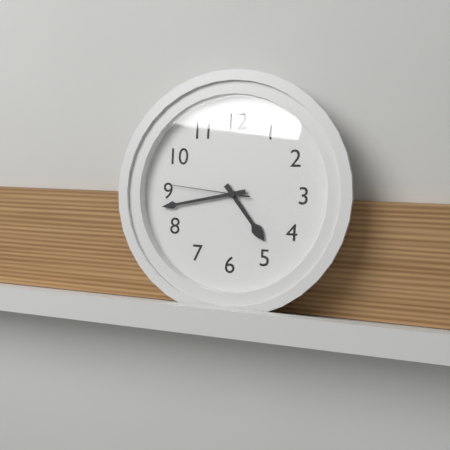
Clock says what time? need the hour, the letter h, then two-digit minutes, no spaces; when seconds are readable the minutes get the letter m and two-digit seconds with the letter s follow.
4h43m46s
